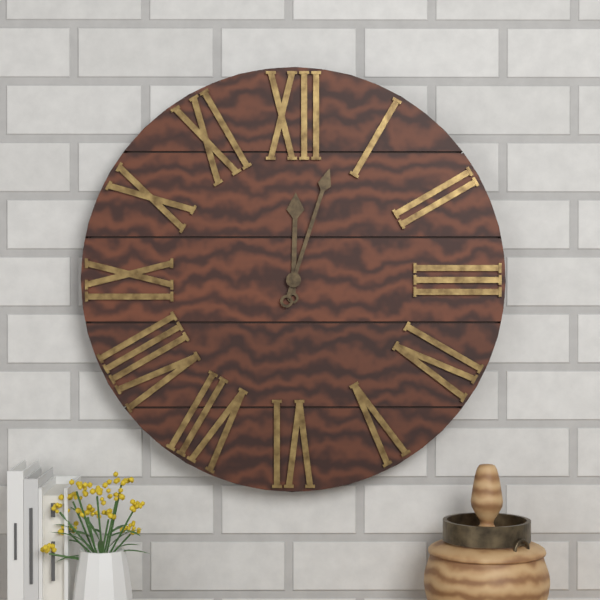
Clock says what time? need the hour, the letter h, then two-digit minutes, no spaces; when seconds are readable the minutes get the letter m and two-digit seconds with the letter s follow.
12h03
